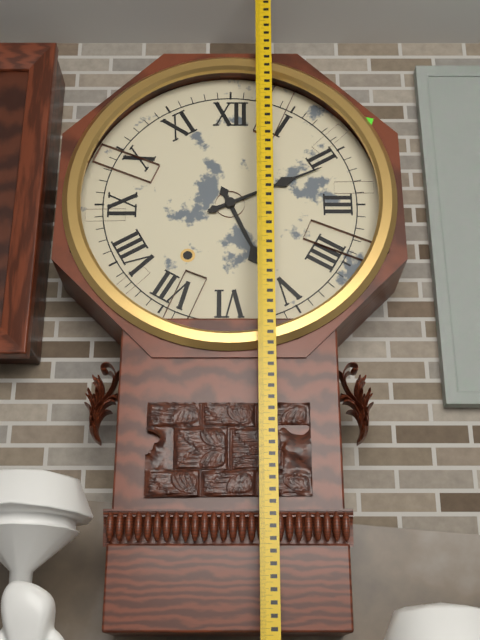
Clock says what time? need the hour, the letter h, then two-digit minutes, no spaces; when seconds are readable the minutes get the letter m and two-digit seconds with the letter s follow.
5h11
